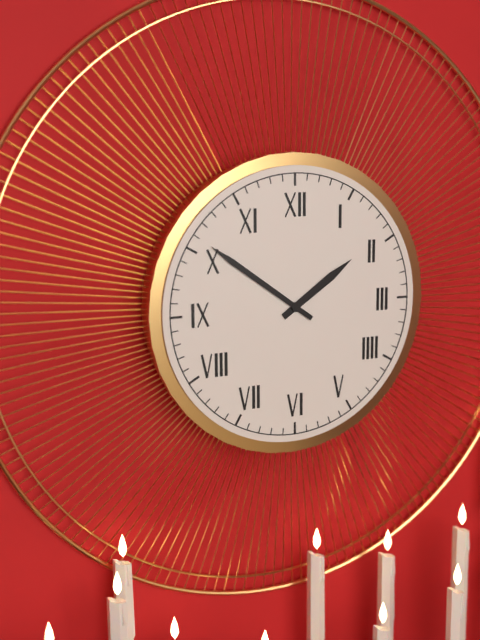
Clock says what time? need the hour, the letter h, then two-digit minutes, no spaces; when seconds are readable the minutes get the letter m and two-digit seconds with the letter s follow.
1h51
